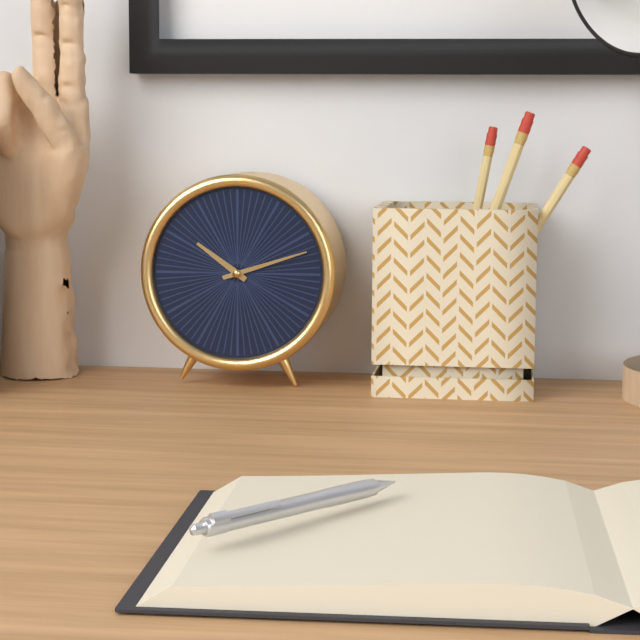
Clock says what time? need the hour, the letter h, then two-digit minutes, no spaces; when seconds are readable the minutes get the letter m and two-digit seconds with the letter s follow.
10h12
